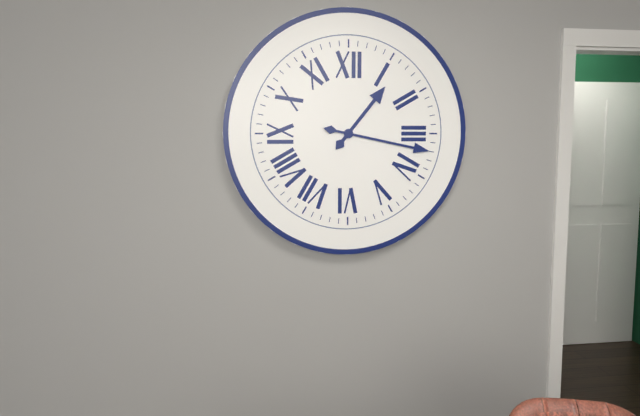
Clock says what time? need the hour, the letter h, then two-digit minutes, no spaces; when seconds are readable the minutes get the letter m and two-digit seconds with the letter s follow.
1h17
